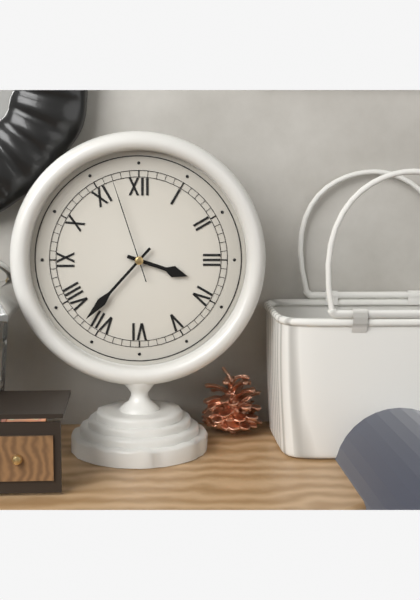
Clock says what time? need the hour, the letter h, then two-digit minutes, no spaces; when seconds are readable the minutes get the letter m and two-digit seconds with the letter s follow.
3h37m57s
